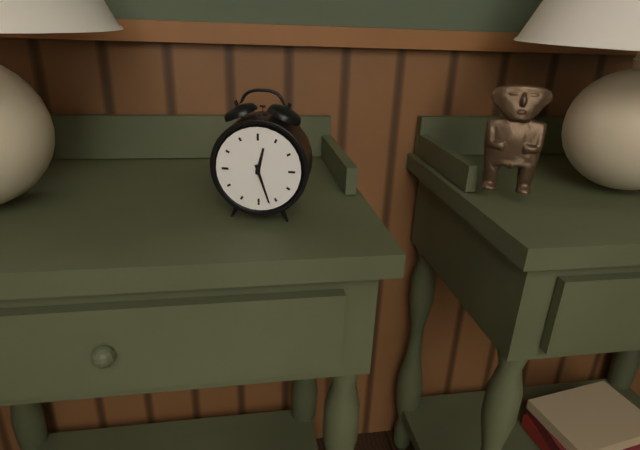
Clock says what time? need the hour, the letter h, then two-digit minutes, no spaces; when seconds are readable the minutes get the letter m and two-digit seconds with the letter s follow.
12h27
